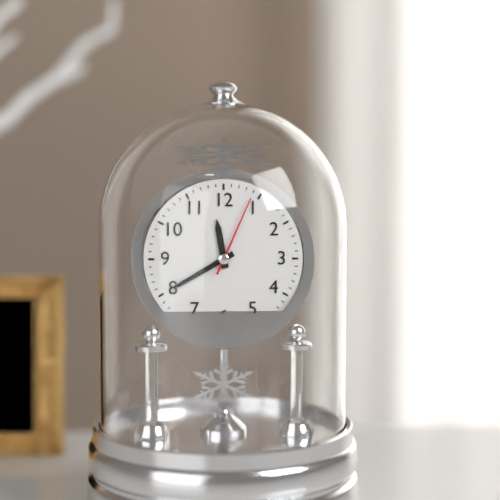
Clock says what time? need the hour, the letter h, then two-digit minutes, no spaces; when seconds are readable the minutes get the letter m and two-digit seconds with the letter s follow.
11h40m04s
